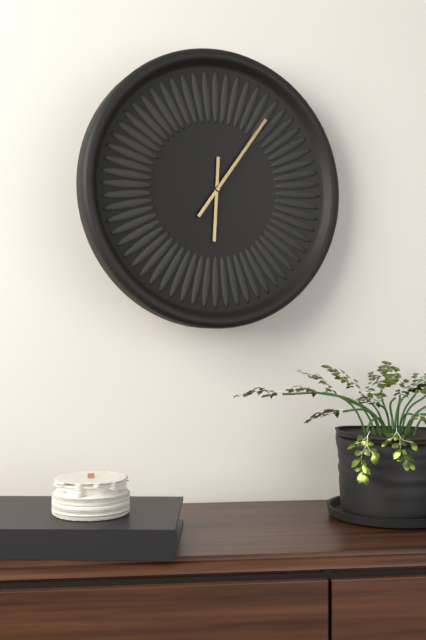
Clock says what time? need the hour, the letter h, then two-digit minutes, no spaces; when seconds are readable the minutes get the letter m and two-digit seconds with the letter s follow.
6h06
